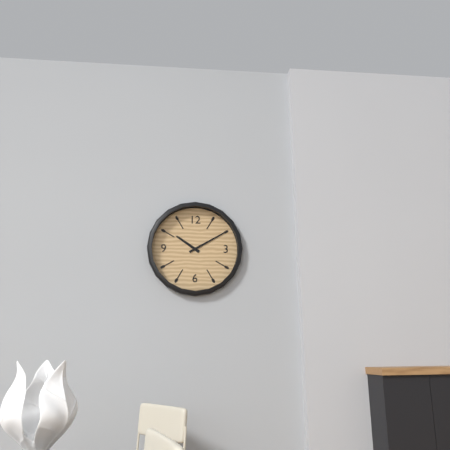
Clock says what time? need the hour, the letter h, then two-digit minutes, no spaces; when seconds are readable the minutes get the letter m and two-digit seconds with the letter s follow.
10h10
